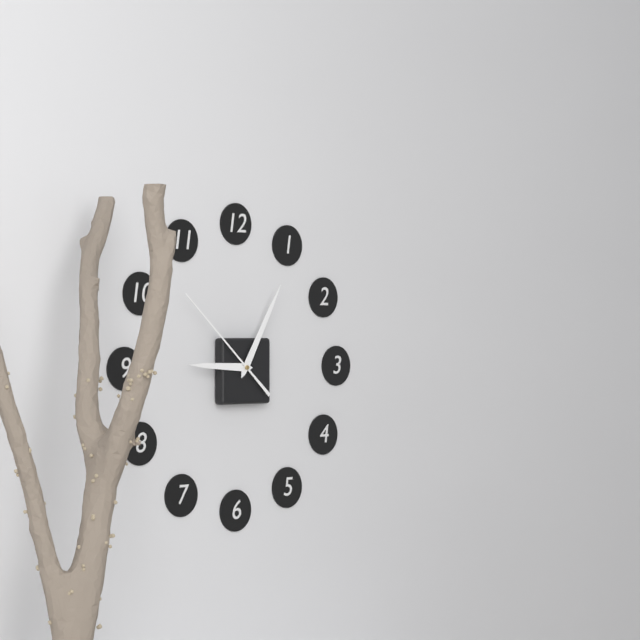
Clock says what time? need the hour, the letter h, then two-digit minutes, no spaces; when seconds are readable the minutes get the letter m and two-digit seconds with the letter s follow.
9h05m52s
